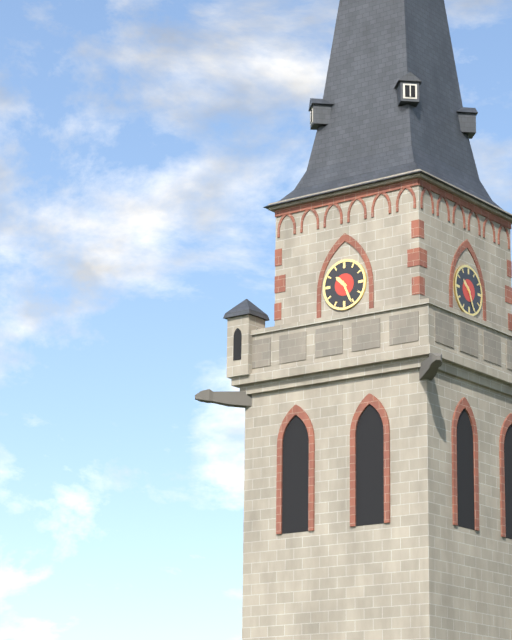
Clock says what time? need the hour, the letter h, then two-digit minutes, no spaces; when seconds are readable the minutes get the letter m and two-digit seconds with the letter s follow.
10h26
